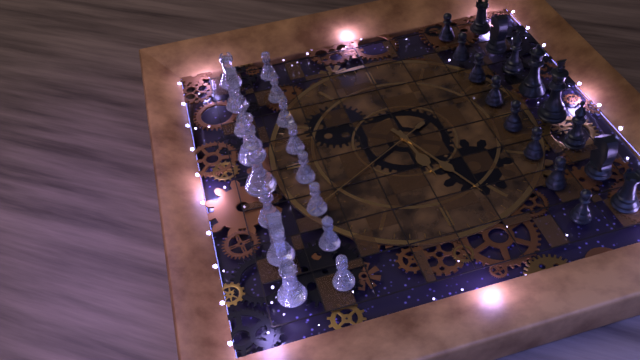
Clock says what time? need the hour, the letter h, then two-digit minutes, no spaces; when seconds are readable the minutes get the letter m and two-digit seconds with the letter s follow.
8h41m55s
